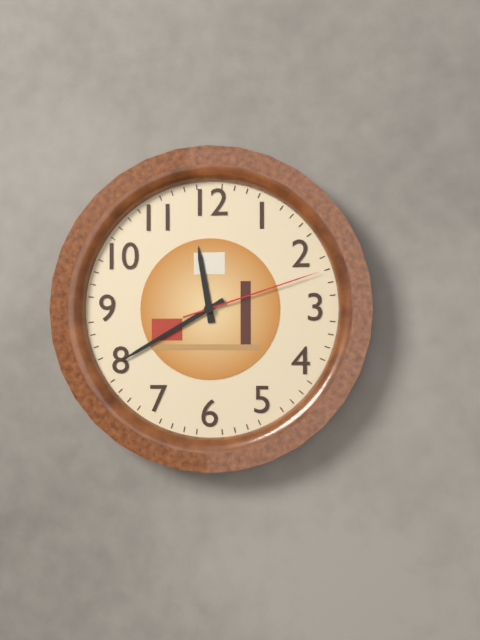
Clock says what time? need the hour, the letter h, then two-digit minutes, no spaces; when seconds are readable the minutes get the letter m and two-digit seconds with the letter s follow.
11h40m12s
